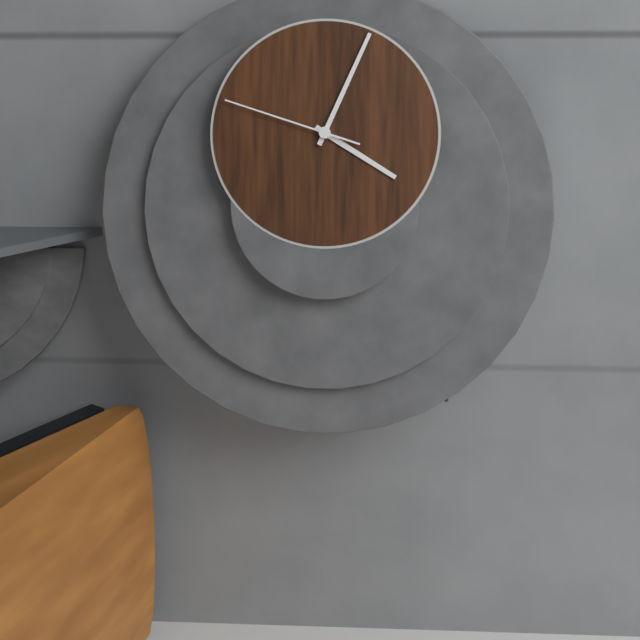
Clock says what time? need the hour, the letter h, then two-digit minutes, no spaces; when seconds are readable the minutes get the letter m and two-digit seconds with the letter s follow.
4h04m48s
